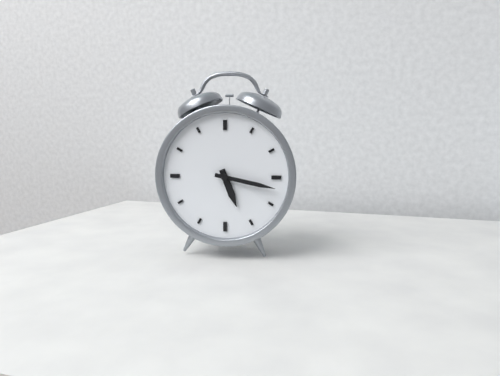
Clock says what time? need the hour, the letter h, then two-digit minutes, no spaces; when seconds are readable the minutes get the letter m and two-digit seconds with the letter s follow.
5h17
